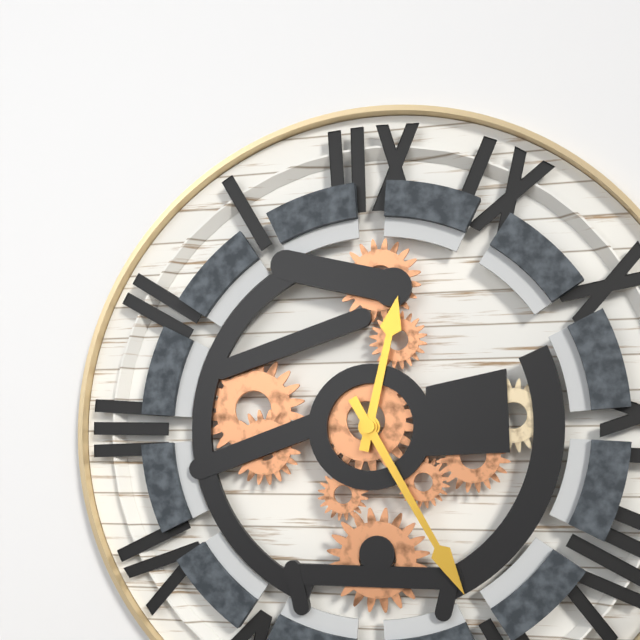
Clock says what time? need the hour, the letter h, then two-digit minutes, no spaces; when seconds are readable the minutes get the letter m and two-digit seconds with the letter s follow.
12h25
